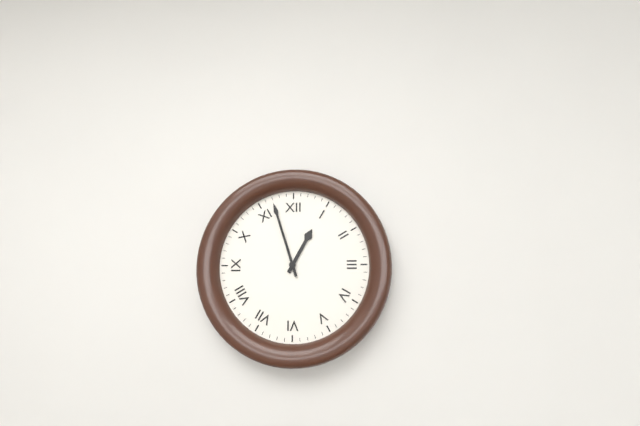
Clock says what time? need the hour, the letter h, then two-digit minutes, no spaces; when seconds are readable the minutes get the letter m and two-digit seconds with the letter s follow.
12h57
